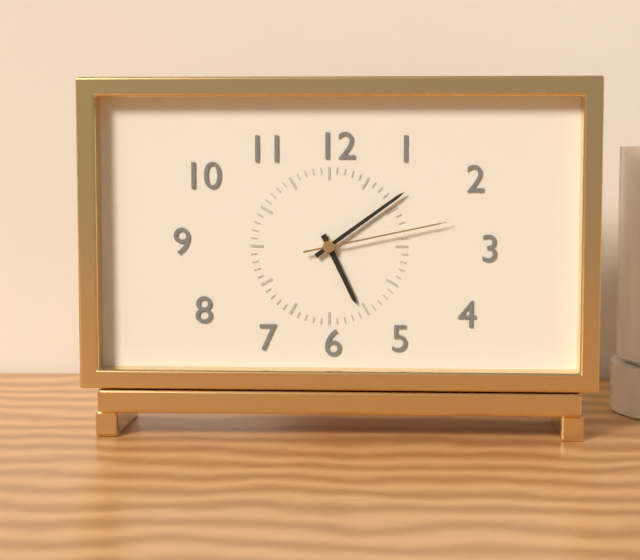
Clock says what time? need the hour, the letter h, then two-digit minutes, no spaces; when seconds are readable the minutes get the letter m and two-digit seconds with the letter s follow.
5h09m13s
